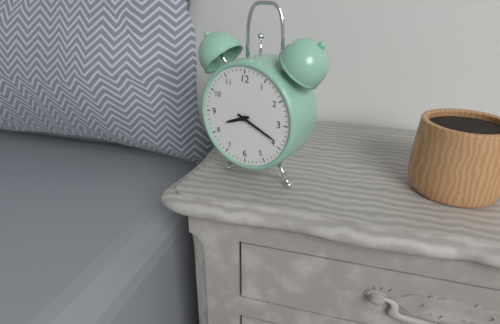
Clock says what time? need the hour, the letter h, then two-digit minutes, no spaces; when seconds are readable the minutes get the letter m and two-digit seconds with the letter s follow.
8h19
